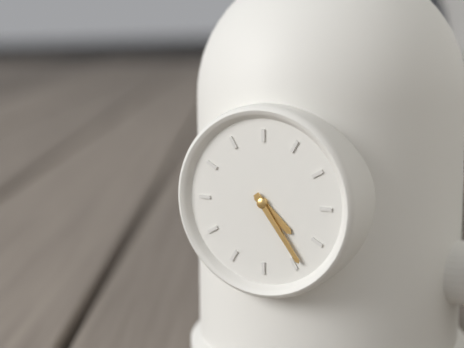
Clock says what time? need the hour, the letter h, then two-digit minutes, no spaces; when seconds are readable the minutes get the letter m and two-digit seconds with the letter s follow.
4h24
